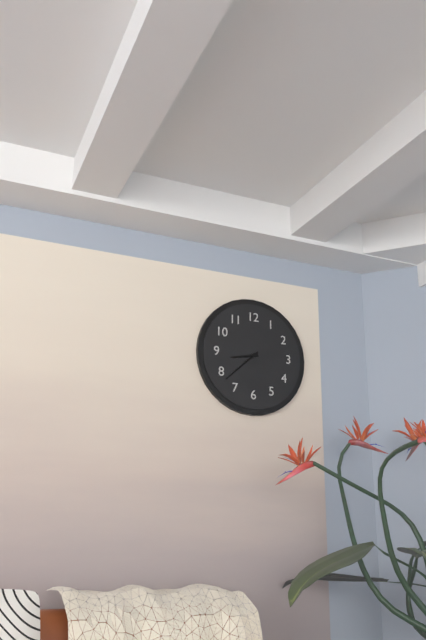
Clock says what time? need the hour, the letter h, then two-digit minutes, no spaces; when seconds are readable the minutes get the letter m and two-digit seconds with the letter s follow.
8h38
